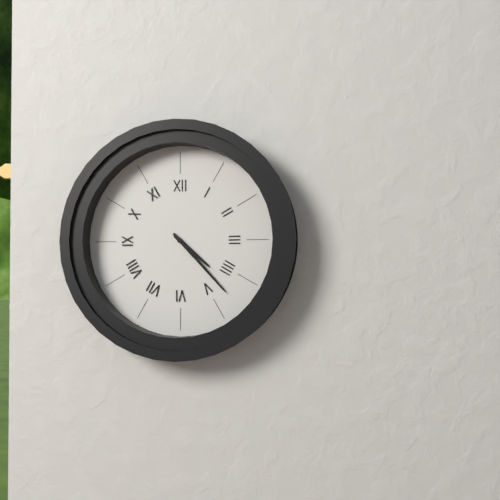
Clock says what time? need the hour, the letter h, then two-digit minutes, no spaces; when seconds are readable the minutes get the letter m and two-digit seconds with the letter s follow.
4h23
